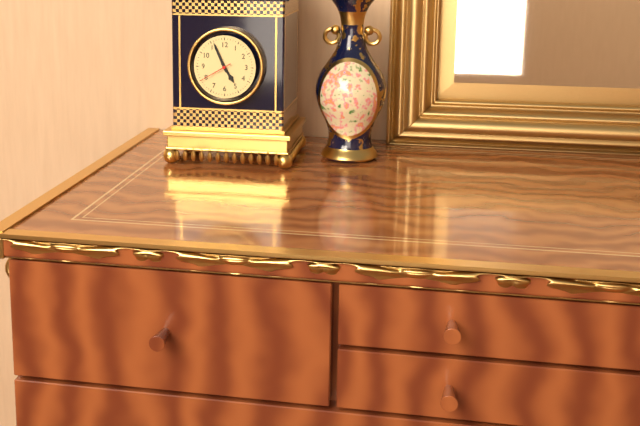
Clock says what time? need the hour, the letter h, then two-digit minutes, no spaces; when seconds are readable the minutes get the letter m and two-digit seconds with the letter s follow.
4h56
